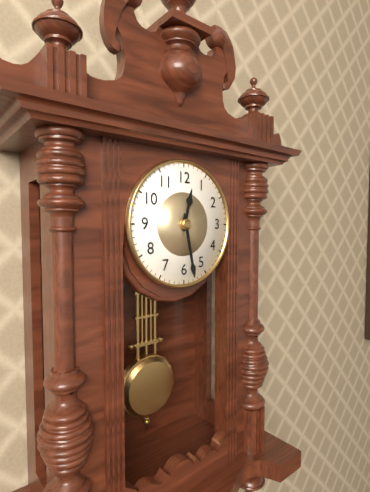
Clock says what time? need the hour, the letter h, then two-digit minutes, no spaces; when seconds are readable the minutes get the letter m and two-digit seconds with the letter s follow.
12h28
